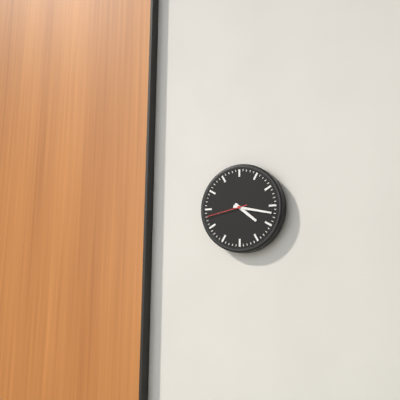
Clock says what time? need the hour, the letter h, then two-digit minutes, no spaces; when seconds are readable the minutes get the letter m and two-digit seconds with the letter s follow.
4h17
